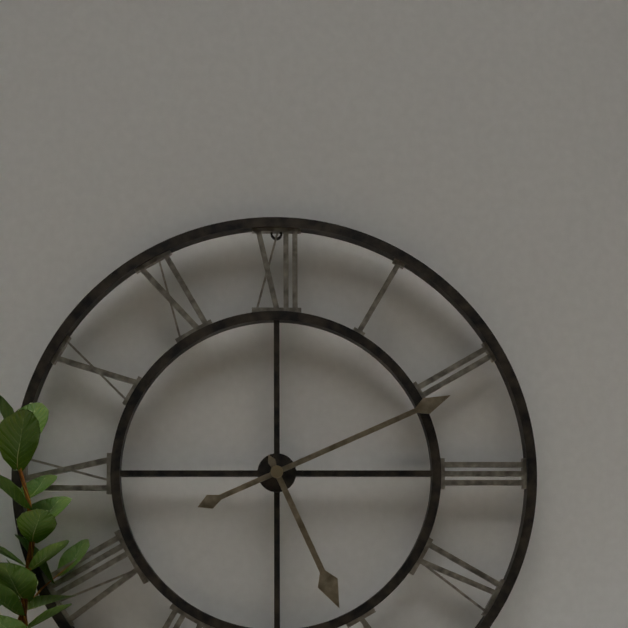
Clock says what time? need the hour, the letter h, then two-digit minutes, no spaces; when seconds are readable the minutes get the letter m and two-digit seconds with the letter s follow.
5h11
